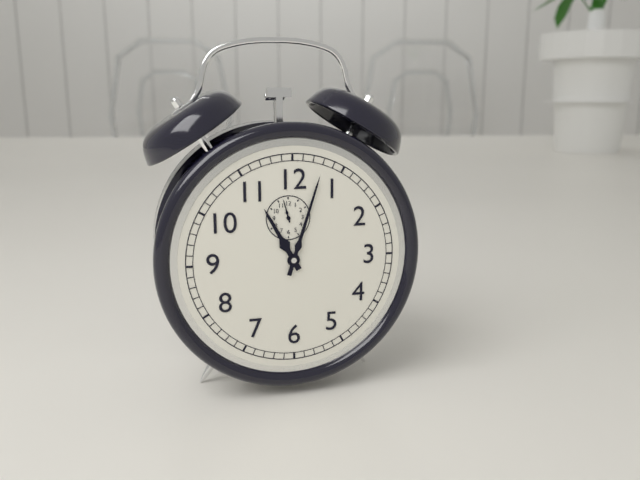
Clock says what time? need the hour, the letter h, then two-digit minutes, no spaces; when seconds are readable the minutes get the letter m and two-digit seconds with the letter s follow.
11h03
